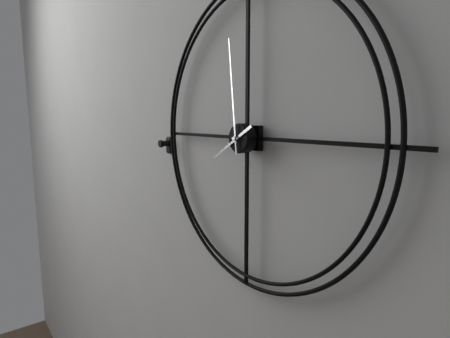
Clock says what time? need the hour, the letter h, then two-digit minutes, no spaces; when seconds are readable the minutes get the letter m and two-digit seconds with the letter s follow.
7h59
